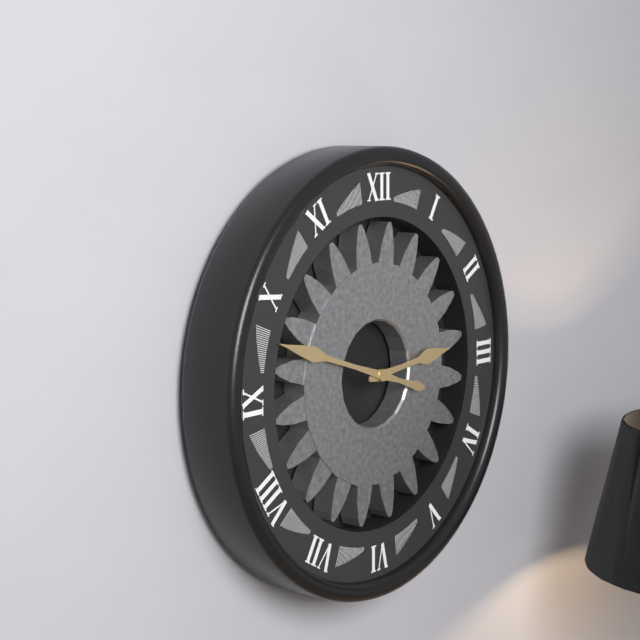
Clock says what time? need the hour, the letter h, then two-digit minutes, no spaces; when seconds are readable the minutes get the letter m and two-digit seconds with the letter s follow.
2h48
